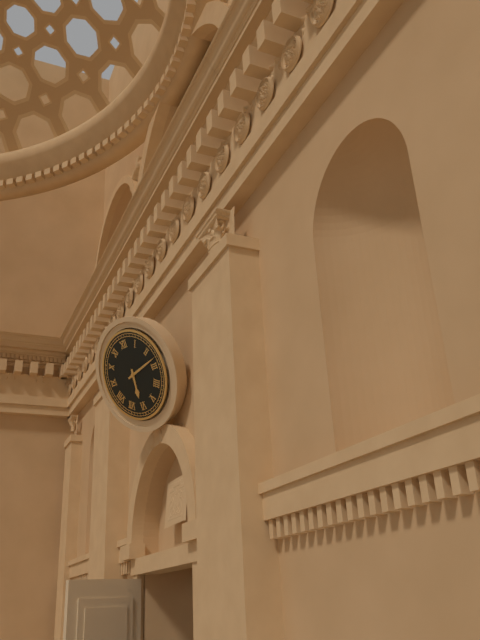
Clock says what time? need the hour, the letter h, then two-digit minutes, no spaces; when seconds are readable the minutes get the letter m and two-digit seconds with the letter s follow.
6h13
